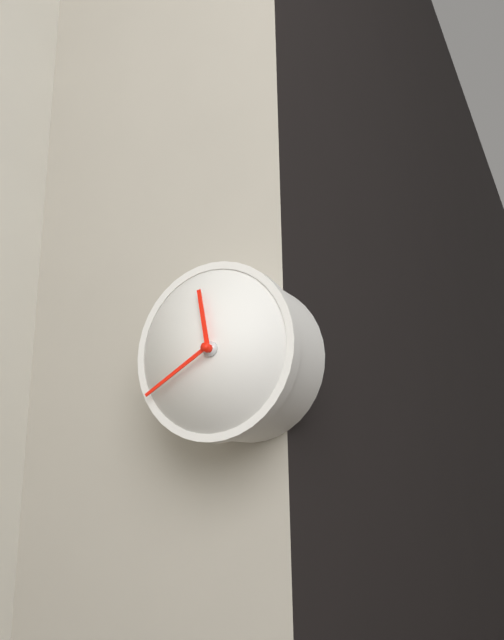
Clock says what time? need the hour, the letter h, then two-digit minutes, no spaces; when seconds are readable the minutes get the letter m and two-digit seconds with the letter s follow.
11h40
